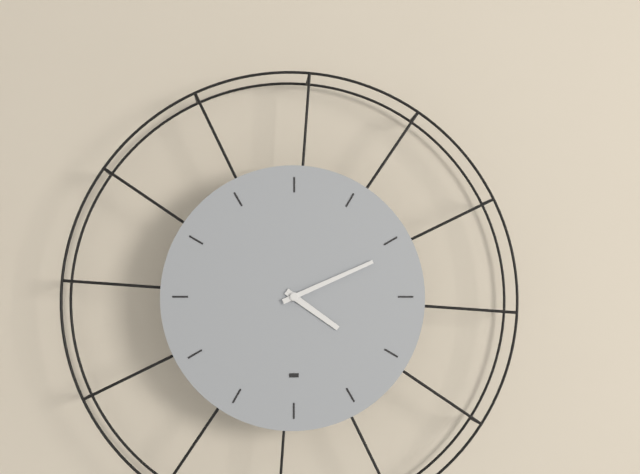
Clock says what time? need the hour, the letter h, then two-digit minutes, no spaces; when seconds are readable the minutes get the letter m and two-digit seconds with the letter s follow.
4h11
